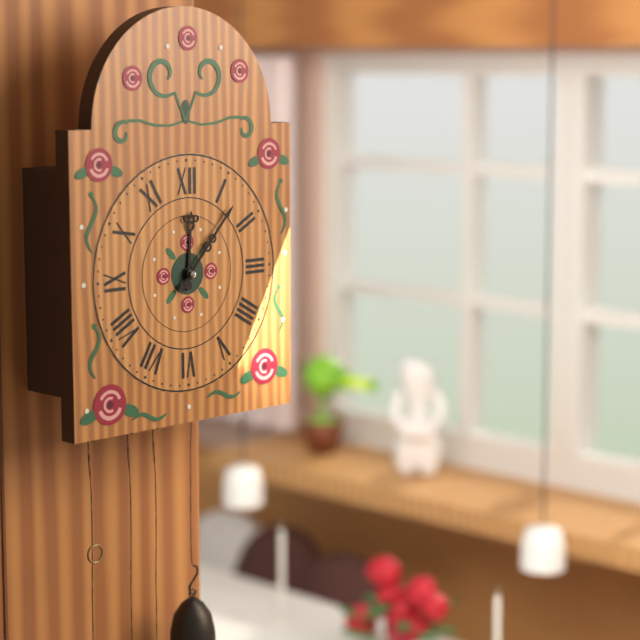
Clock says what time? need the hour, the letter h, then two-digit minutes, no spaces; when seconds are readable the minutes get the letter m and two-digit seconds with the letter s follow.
12h07
